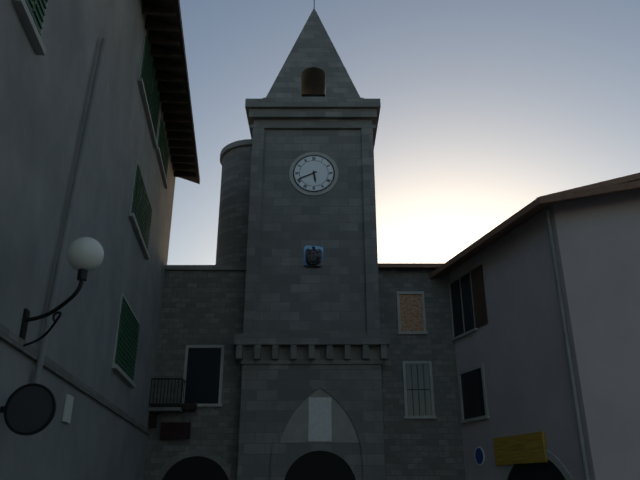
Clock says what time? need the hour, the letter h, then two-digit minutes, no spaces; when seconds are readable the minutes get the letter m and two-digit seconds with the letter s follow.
5h41
